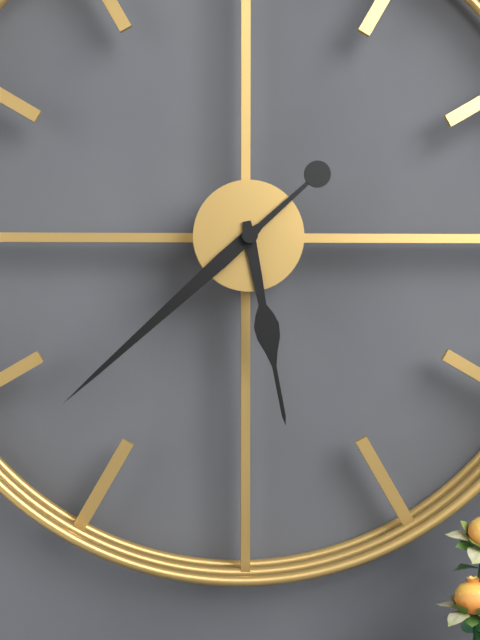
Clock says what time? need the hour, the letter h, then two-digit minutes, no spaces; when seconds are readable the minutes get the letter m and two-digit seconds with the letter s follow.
5h38
